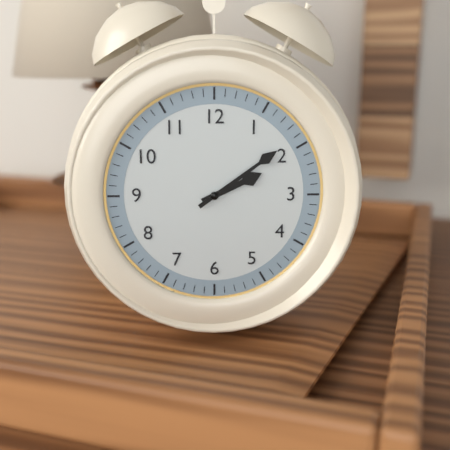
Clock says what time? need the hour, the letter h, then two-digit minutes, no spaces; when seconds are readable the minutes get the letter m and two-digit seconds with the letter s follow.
2h09
